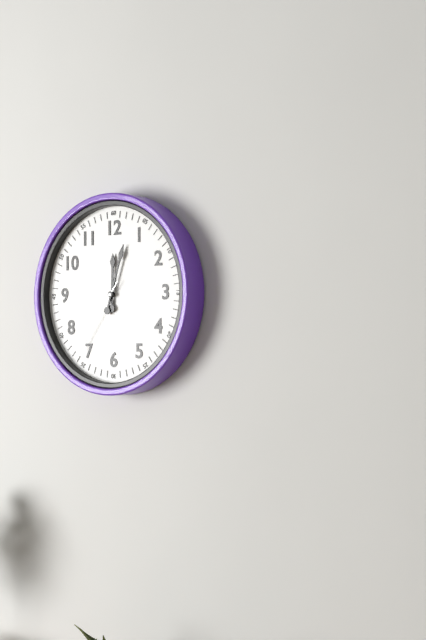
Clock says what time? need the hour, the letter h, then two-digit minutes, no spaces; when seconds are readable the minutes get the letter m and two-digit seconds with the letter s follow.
12h03m36s
